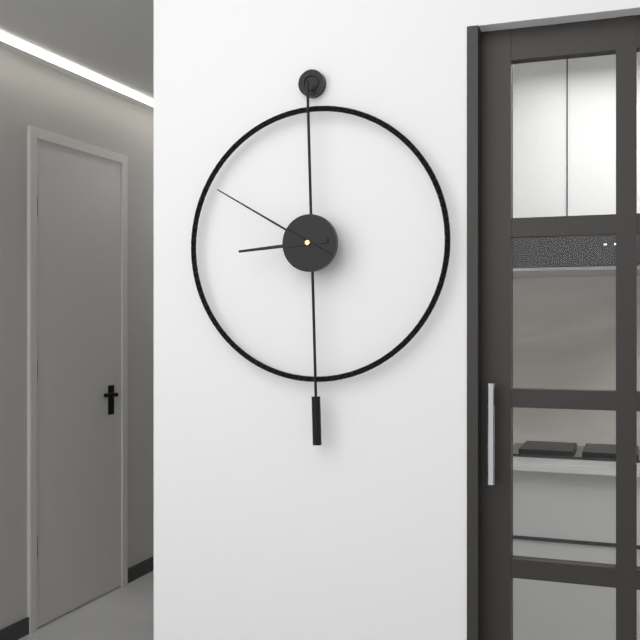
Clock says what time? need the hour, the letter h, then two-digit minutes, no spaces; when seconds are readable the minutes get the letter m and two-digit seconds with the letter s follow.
8h50
